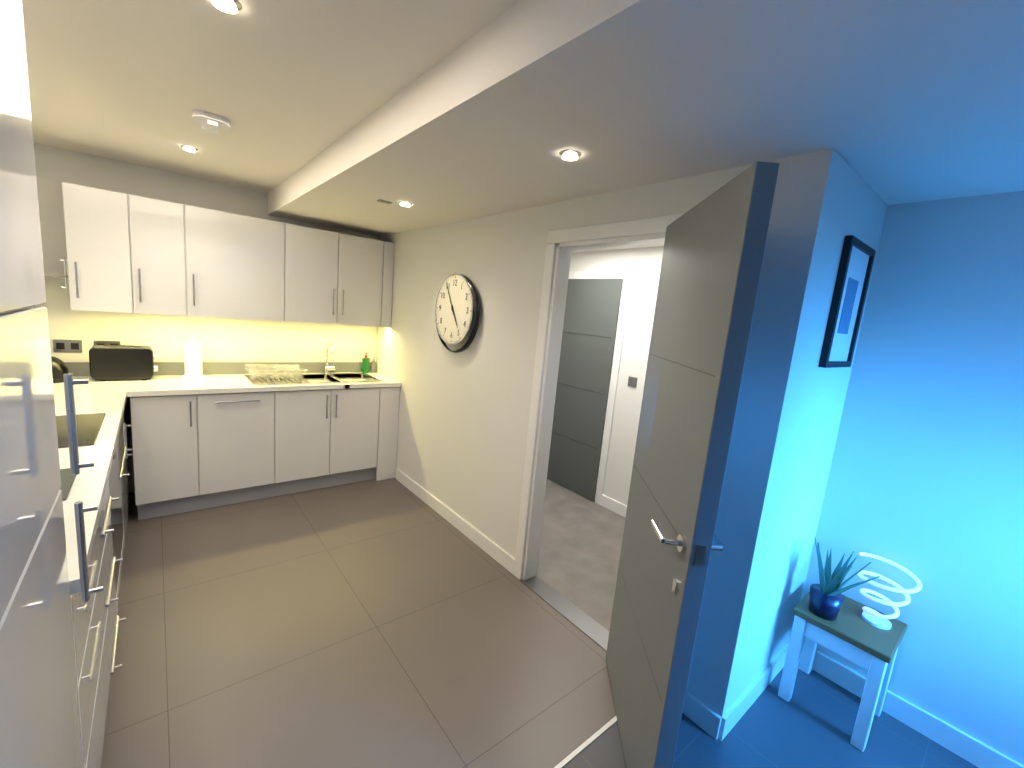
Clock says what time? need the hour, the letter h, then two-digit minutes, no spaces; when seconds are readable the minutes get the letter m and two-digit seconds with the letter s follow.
4h55
